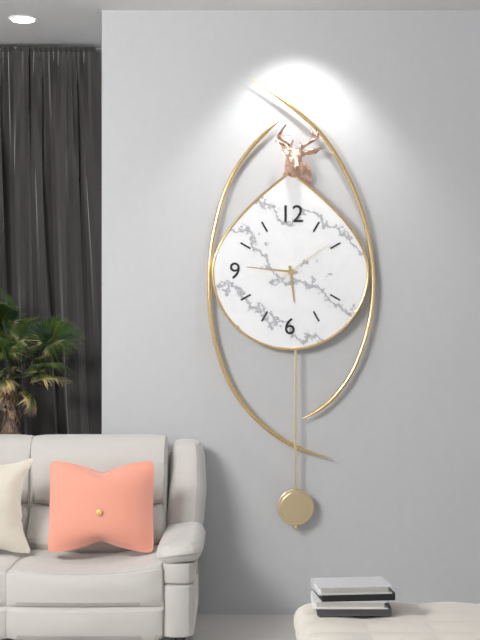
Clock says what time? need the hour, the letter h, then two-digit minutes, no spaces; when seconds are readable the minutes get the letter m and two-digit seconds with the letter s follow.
5h46m09s
